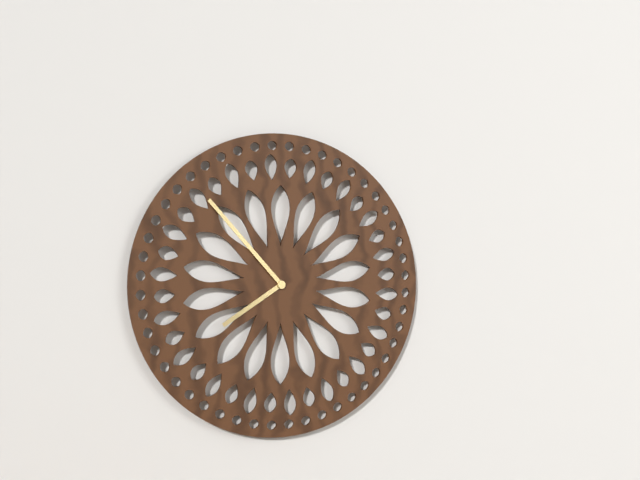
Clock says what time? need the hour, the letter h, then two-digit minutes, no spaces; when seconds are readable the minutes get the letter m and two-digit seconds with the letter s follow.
7h53
